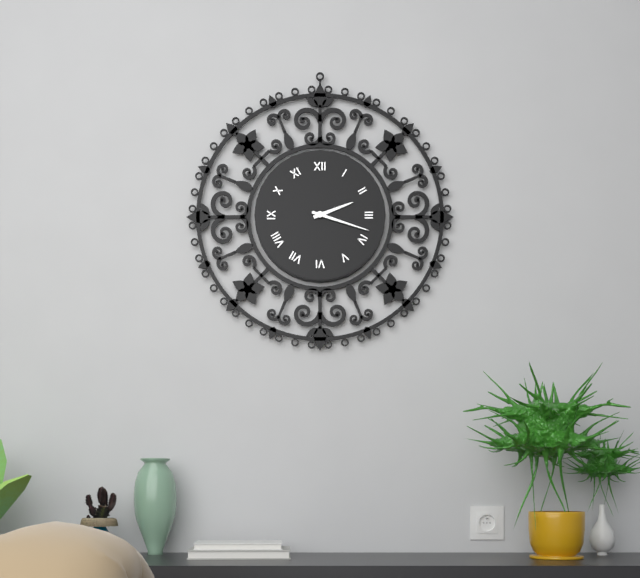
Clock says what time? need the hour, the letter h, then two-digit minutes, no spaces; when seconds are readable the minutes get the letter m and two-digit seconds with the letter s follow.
2h18
